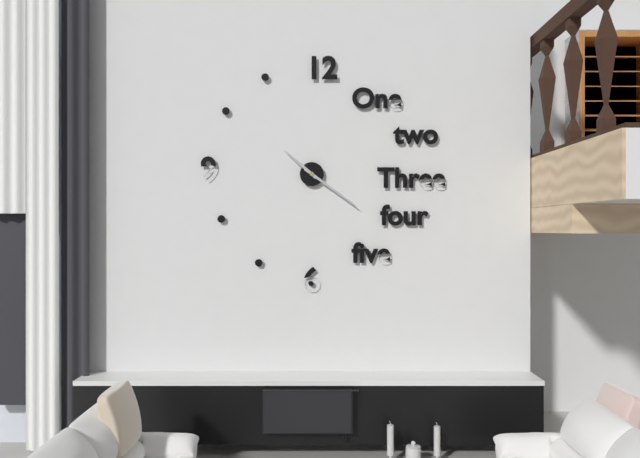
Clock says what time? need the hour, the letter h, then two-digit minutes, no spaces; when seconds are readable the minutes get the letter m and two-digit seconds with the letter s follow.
10h21
